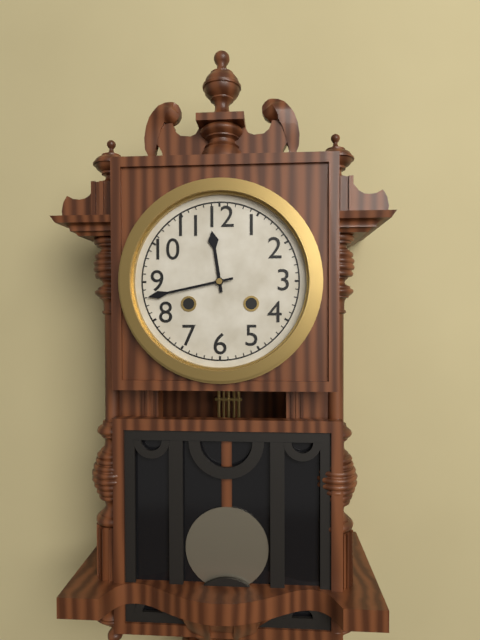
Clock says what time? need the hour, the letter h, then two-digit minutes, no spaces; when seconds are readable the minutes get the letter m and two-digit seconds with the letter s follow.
11h43
